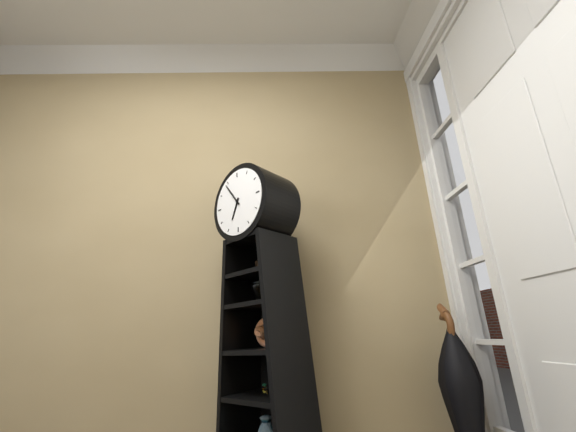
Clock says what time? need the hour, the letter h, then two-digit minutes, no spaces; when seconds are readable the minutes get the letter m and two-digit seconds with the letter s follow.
6h54
